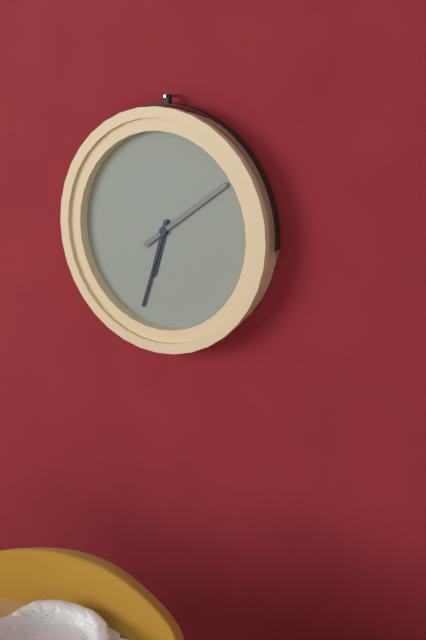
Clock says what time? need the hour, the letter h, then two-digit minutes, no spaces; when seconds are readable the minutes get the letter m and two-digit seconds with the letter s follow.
6h33m09s
